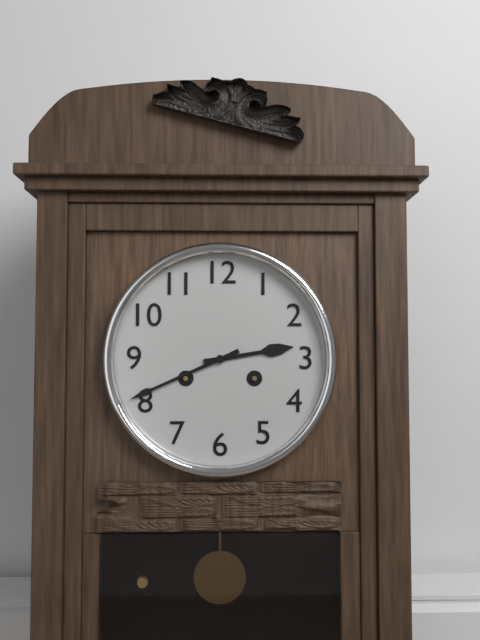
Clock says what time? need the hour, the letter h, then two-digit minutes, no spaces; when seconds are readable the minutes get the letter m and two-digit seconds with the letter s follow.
2h41
